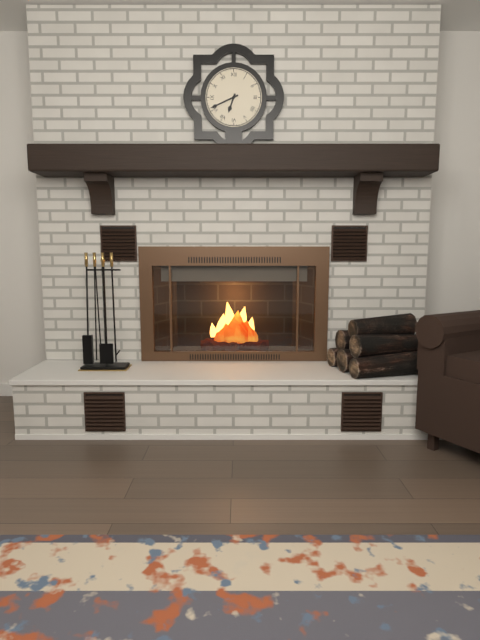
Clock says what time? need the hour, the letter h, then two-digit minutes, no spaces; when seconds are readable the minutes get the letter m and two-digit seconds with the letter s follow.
6h41
